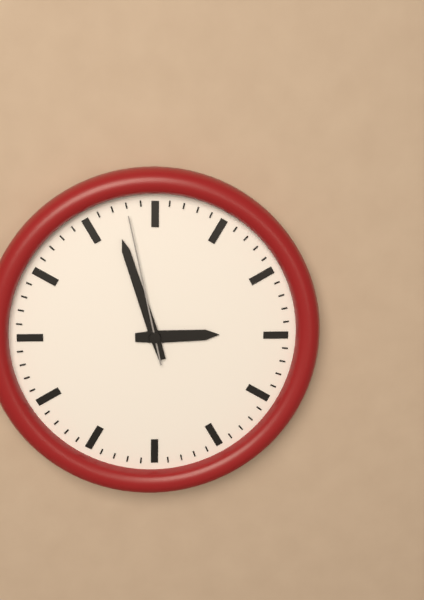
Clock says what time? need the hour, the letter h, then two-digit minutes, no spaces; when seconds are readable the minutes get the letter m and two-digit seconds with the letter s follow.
2h57m58s
